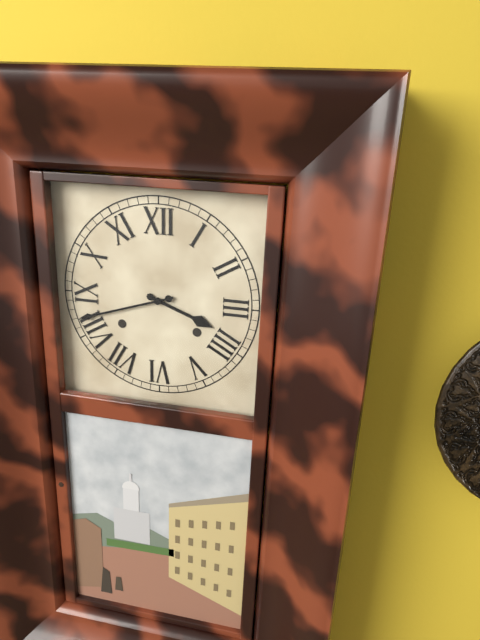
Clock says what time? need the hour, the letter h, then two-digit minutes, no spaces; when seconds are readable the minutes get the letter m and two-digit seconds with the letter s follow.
3h42
